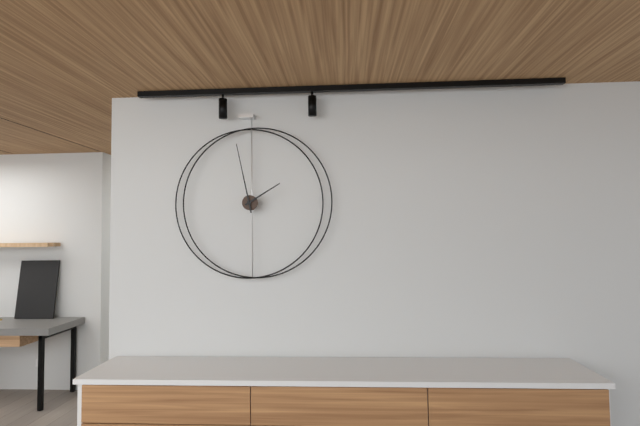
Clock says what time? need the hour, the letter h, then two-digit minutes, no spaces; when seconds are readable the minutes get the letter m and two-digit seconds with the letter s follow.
1h58
